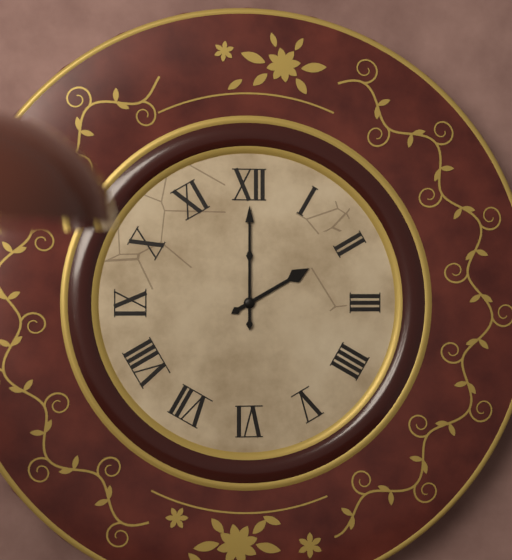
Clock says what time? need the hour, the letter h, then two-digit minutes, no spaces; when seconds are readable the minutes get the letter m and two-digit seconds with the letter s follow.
2h00
